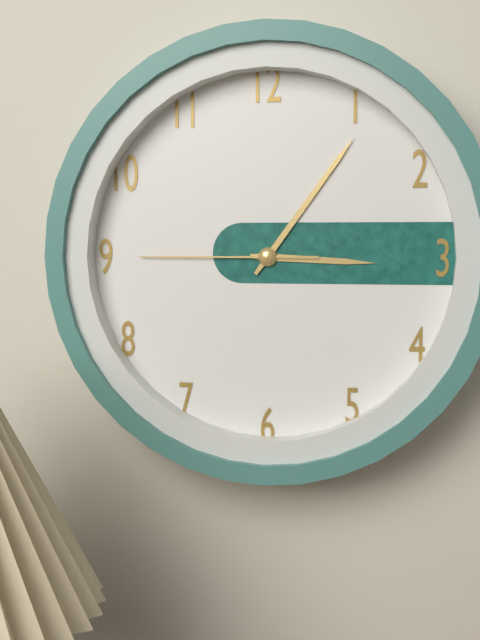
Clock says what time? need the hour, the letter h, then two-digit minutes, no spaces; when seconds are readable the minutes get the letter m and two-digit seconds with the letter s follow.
3h06m45s
